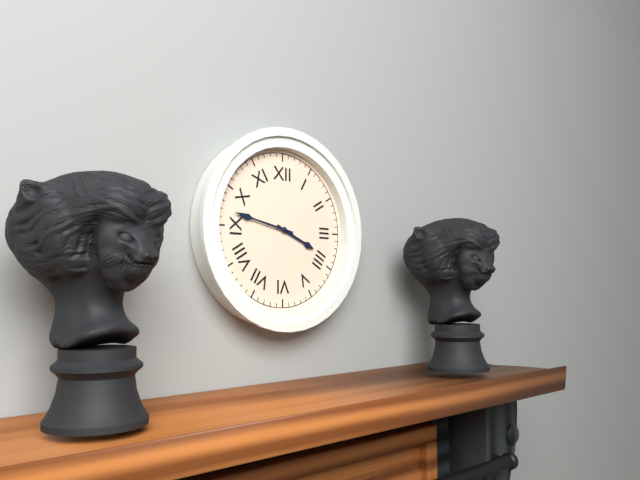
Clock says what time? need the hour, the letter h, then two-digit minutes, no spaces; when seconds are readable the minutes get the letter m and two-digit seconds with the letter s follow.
3h47
